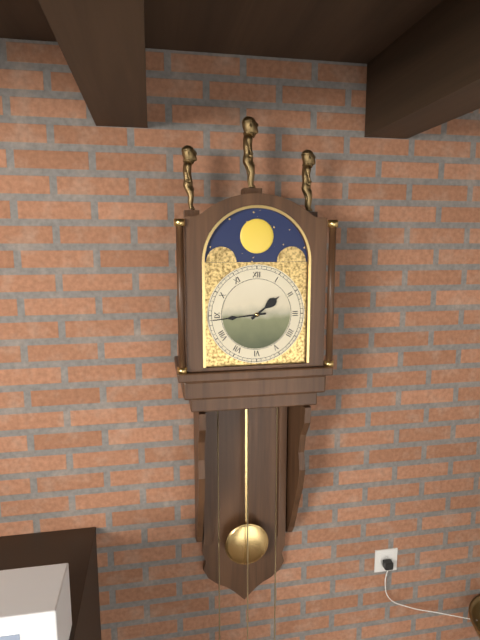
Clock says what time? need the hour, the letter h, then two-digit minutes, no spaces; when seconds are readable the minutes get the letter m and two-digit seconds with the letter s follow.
1h44
